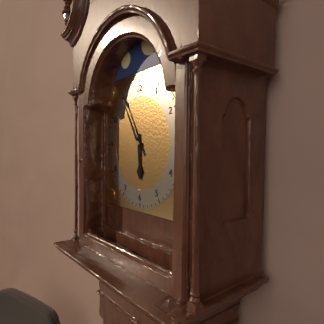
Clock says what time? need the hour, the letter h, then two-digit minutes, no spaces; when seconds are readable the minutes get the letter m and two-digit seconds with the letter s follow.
5h55
